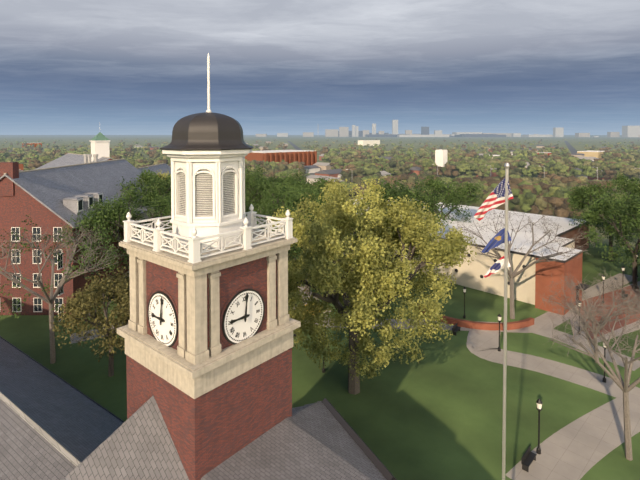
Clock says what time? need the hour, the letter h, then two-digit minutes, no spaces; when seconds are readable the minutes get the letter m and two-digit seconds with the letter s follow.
9h01
